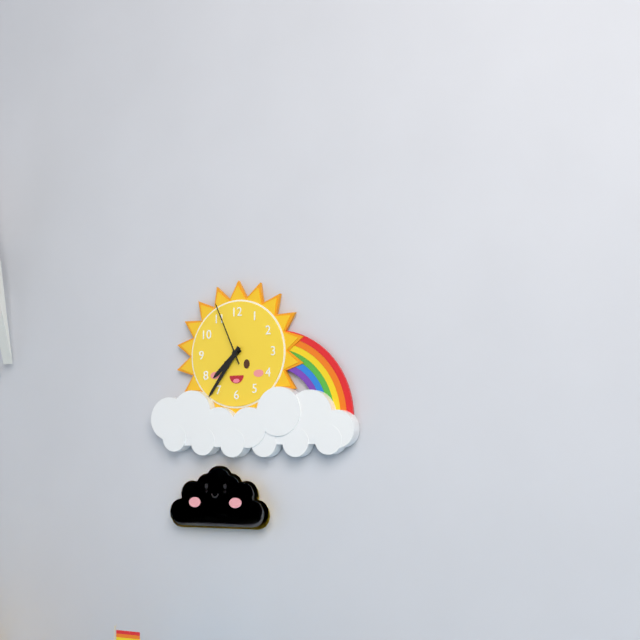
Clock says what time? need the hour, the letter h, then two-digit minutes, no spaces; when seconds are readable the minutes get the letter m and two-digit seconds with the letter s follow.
7h36m56s
